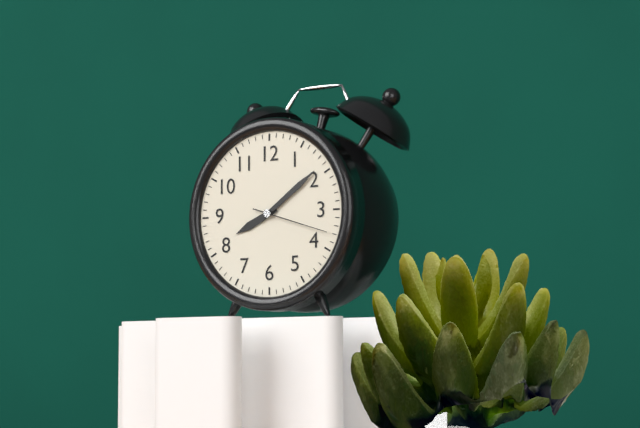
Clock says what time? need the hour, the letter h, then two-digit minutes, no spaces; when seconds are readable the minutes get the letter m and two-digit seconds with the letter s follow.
8h09m18s
